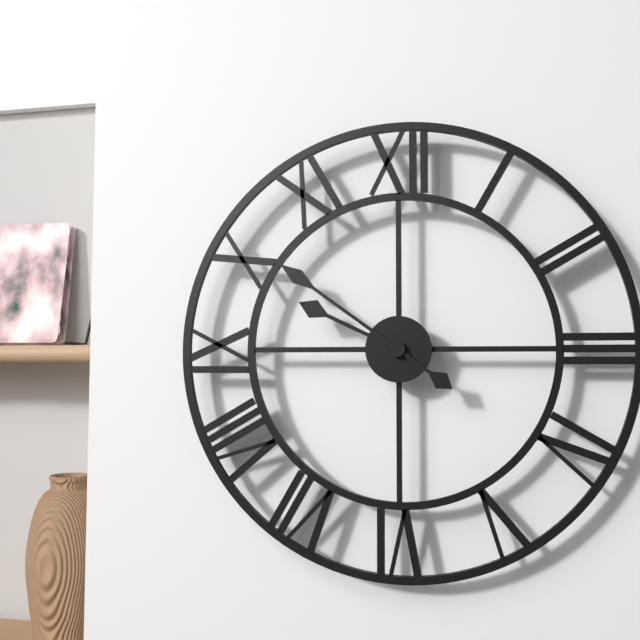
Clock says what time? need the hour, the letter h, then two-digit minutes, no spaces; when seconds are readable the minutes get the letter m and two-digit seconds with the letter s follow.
9h51
